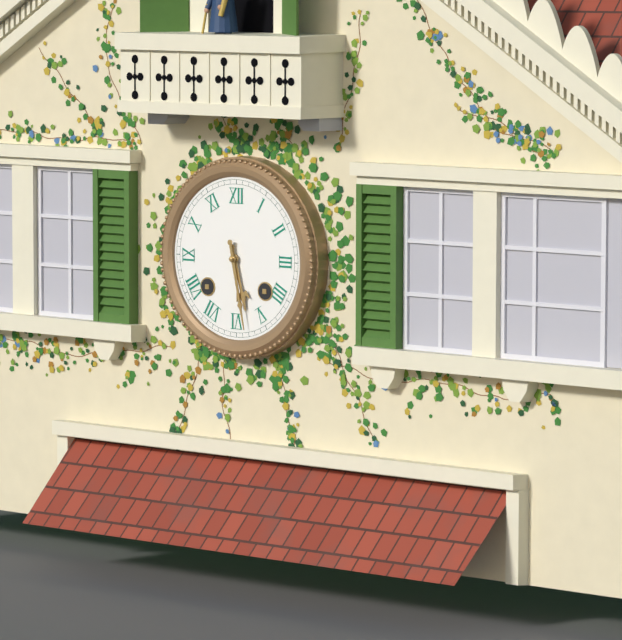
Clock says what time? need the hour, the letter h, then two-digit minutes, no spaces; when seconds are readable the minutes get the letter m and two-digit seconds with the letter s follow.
5h28
